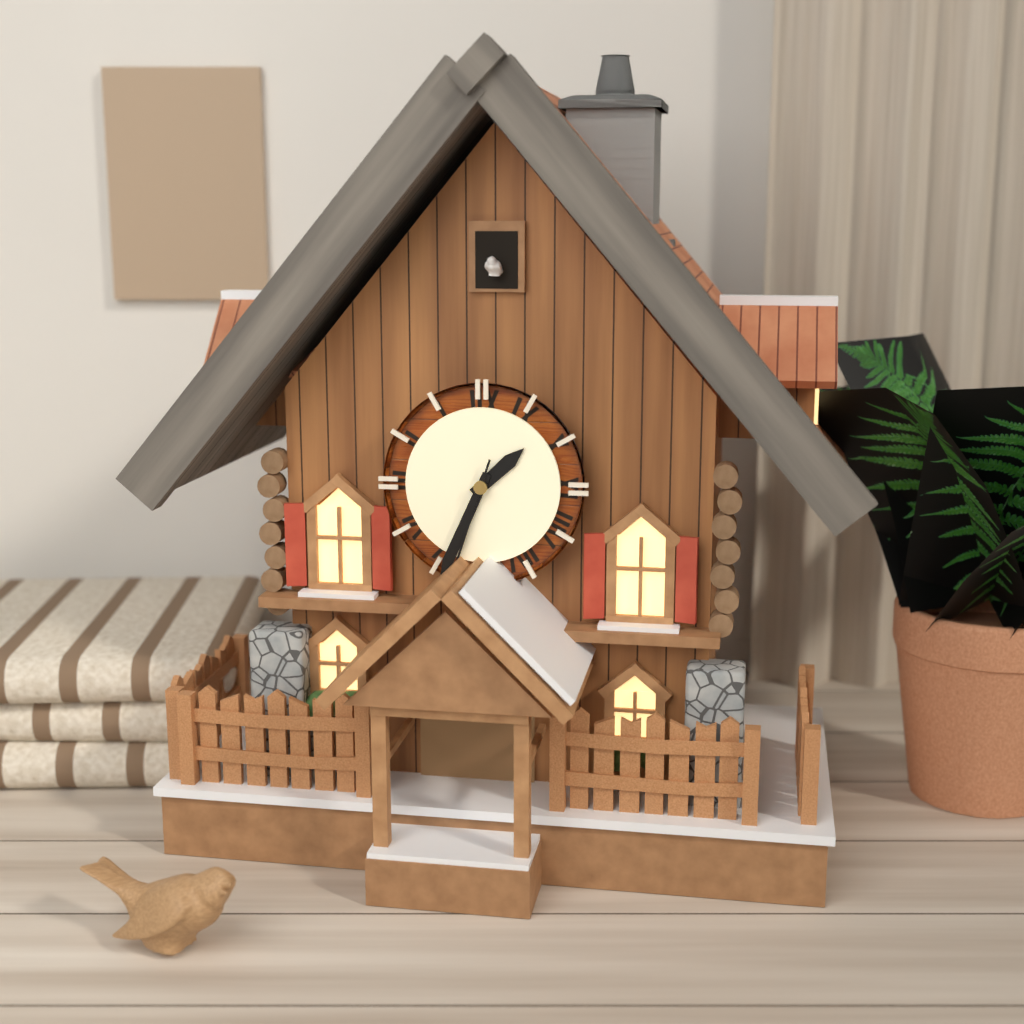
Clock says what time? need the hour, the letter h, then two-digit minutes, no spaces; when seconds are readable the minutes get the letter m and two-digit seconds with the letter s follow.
1h34
